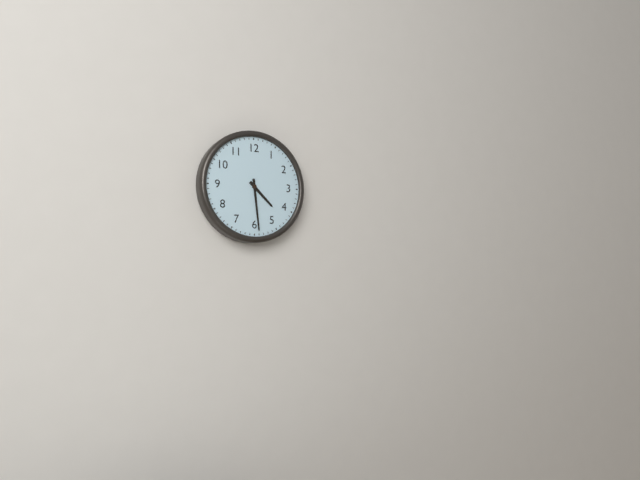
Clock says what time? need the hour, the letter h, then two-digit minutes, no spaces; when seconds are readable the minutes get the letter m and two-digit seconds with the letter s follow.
4h29
